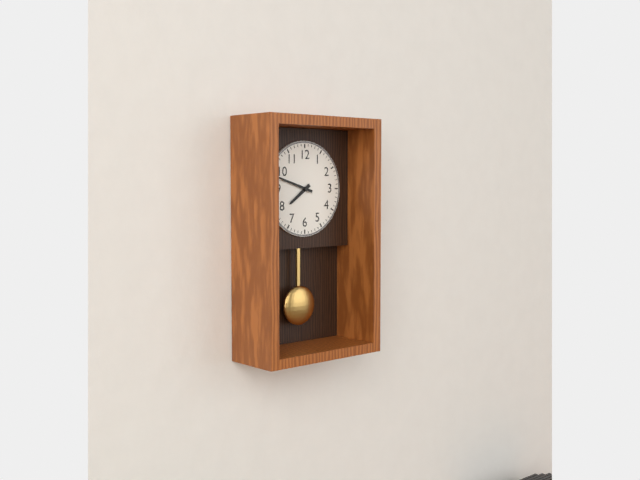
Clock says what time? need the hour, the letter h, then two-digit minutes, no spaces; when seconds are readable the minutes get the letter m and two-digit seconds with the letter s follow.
7h48
